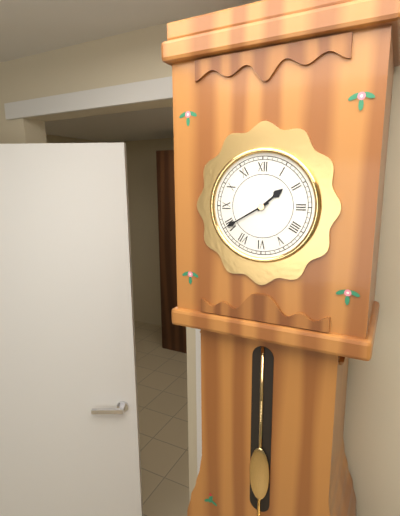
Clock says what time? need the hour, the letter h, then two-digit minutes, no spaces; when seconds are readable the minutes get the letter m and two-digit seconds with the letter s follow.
1h40
